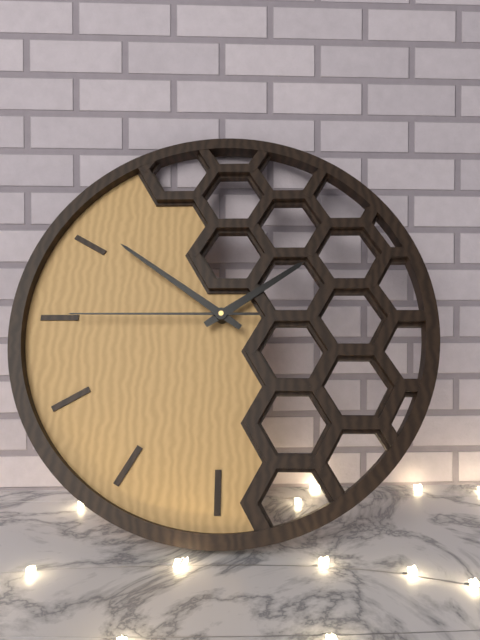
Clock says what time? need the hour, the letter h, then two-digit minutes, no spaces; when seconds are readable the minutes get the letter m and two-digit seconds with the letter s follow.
1h51m45s
